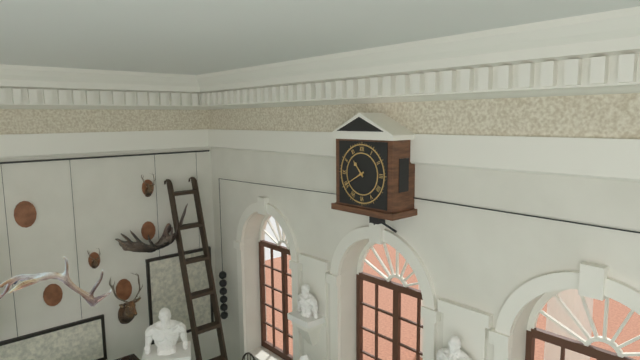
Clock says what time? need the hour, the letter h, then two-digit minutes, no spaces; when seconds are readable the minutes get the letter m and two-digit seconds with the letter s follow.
10h40
